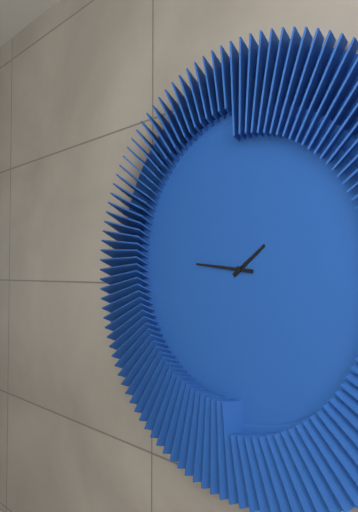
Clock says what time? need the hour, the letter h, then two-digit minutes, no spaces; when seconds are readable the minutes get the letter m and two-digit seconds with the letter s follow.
1h46
